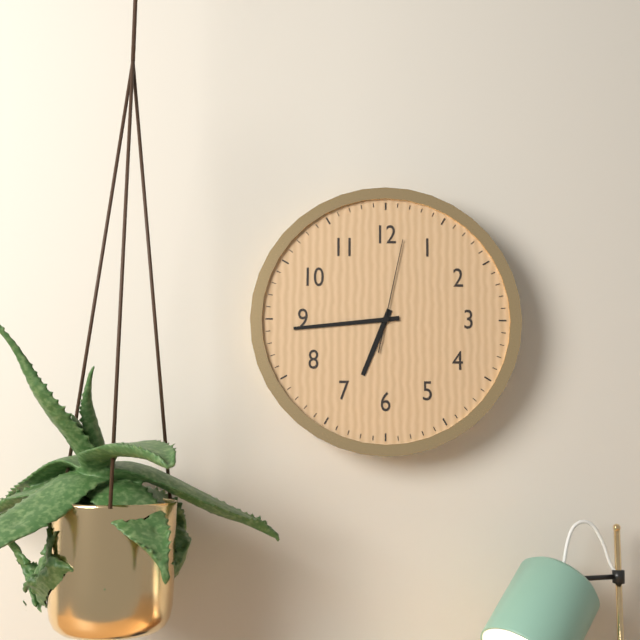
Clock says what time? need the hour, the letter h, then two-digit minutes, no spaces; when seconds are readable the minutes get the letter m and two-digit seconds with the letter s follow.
6h44m02s
